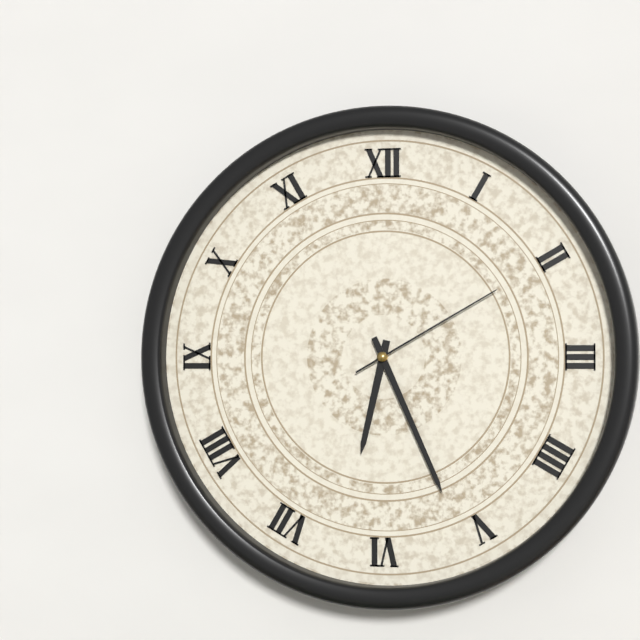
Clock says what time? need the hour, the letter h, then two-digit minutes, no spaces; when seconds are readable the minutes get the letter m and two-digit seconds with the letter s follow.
6h26m10s
